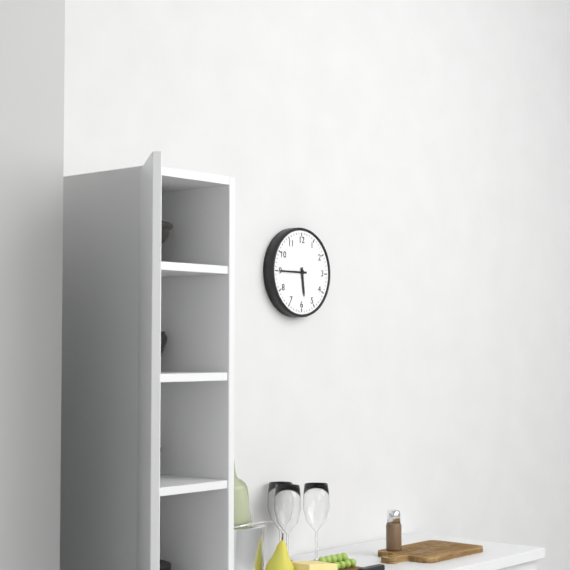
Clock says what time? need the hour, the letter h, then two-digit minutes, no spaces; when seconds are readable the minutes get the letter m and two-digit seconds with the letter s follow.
5h45
